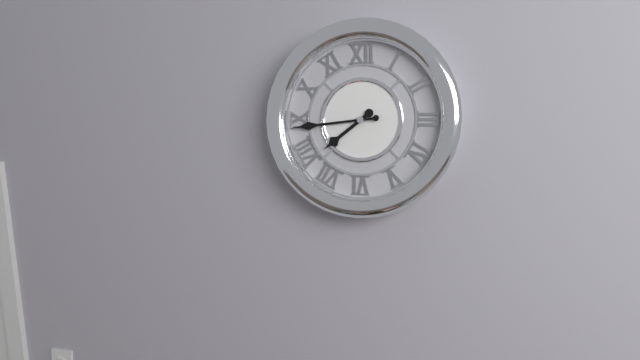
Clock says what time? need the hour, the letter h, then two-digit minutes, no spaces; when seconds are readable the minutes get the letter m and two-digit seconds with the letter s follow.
7h44
